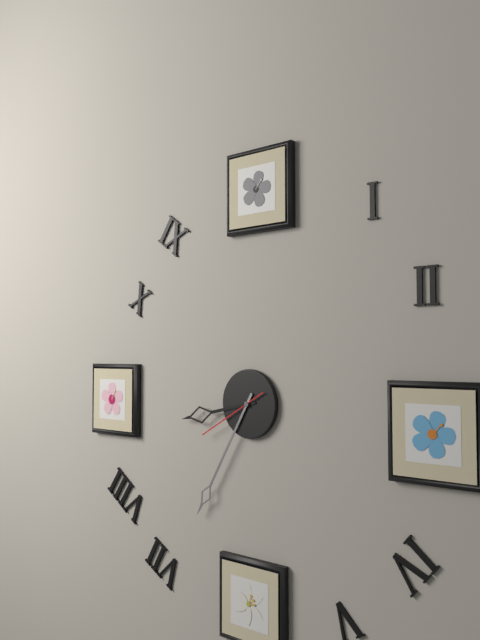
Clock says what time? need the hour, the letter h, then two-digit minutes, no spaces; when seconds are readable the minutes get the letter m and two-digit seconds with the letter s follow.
8h35m40s
